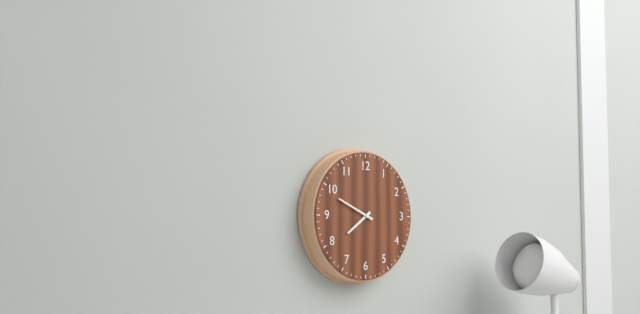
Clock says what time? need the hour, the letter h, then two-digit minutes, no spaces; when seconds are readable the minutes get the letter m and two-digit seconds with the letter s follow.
7h49
